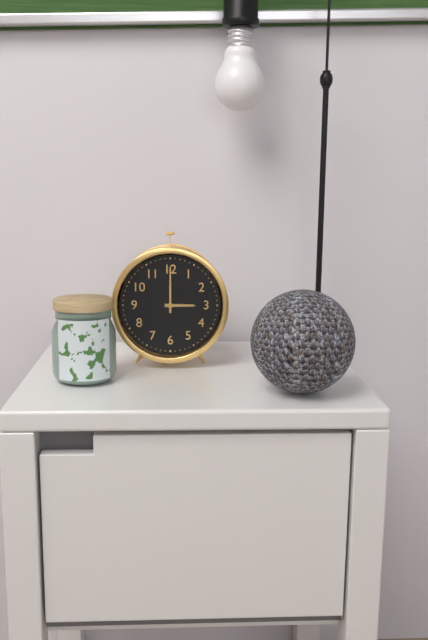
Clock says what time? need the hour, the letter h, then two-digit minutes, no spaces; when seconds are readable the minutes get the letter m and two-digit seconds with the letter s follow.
3h00
